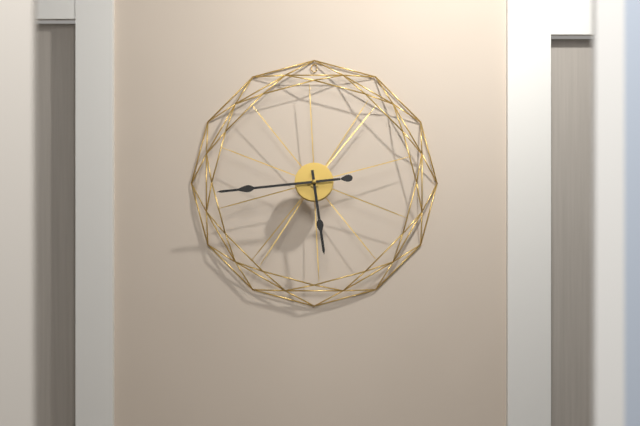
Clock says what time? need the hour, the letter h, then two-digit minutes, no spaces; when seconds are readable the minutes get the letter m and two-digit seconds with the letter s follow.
5h44
